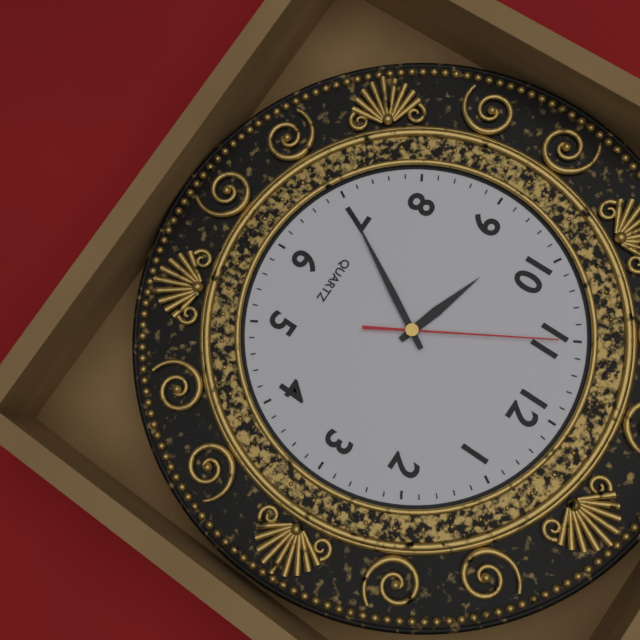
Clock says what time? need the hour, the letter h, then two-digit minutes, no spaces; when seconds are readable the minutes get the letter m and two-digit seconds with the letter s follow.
9h35m55s
